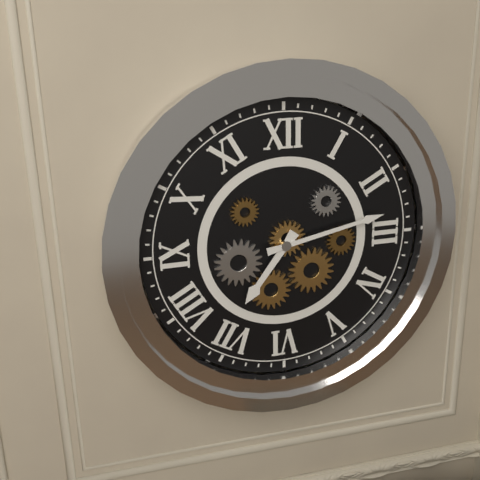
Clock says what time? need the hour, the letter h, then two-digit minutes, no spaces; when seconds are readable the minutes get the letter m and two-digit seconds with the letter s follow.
7h13
